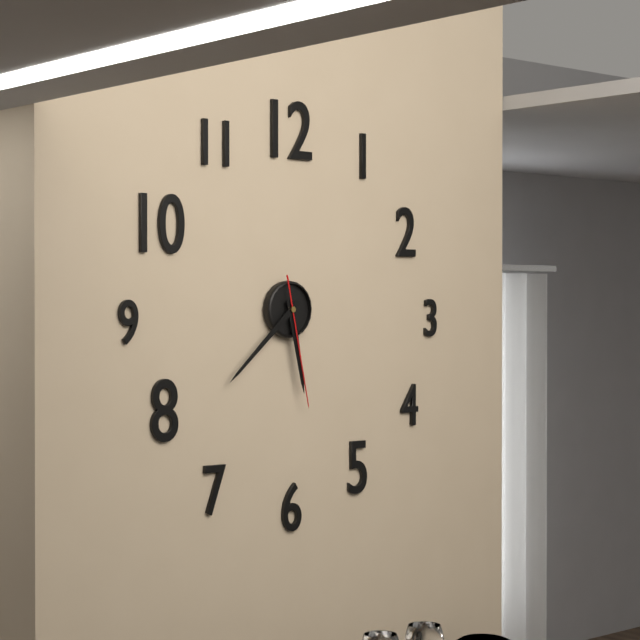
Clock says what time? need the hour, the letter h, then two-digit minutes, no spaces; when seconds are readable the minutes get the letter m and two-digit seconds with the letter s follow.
5h38m28s
